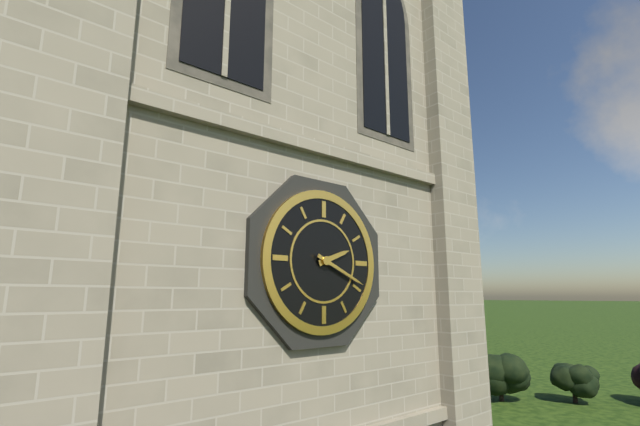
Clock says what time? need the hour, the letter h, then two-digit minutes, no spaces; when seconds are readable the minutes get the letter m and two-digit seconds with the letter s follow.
2h19
